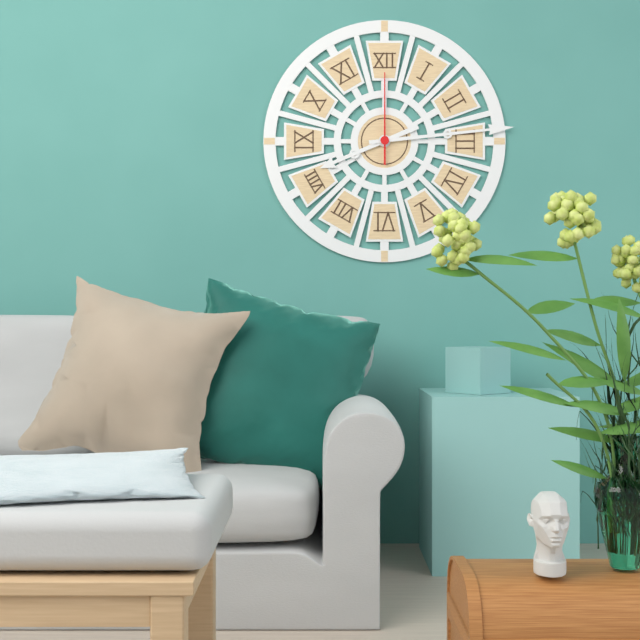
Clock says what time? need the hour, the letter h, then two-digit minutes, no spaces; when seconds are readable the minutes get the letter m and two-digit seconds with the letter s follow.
8h14m00s
